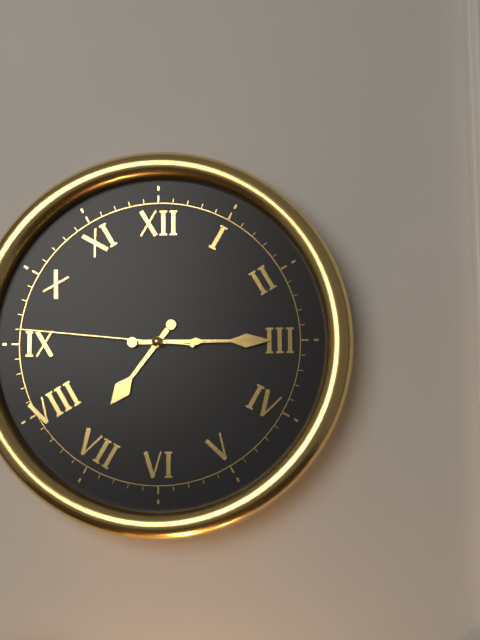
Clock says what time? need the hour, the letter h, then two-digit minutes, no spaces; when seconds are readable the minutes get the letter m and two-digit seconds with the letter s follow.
7h15m46s
